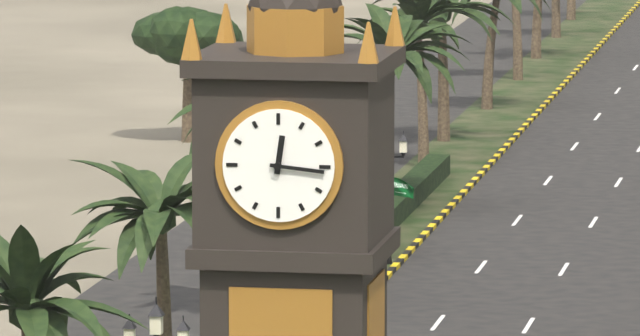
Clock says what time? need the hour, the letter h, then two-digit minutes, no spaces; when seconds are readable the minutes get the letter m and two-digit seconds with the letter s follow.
12h16
